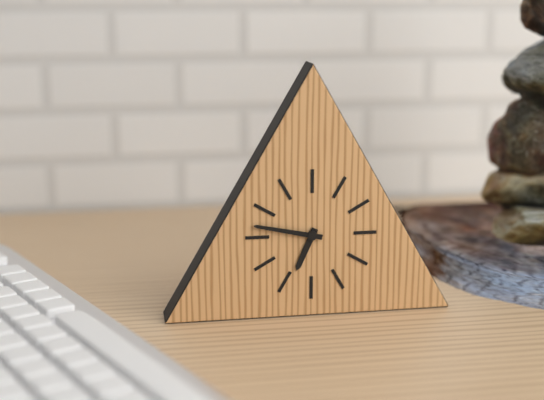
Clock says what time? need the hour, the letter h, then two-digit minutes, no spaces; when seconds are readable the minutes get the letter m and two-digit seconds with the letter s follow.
6h47
